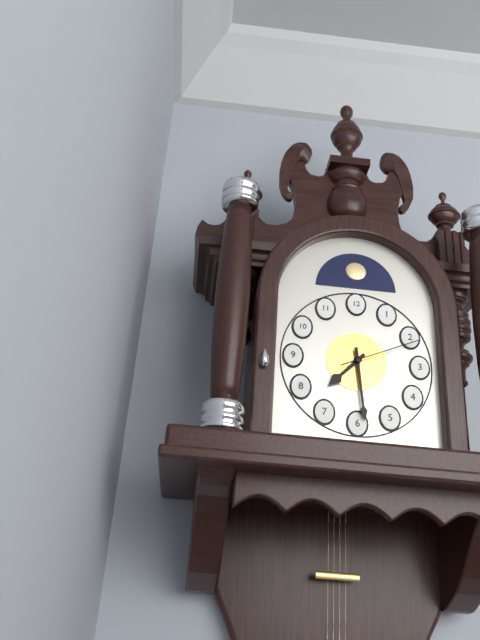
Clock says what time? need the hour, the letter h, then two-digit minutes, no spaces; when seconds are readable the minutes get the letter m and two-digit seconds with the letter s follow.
7h29m11s
